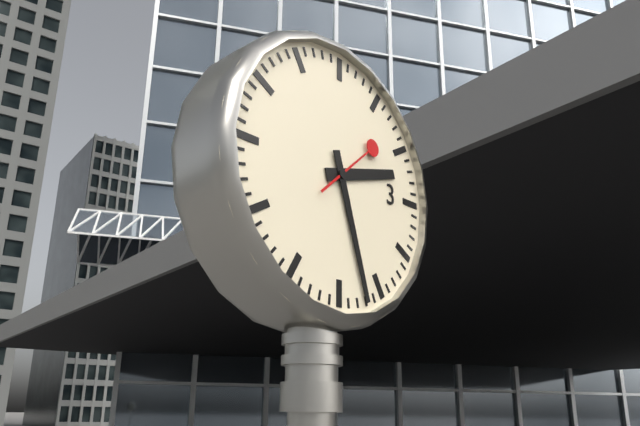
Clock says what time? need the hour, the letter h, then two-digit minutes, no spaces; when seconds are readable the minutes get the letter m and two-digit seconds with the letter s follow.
2h27m08s
